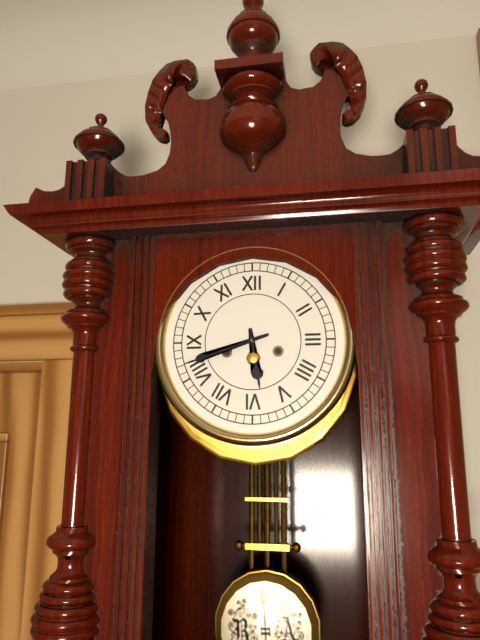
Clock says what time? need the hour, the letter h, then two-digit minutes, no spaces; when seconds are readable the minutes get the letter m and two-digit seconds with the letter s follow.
5h42
